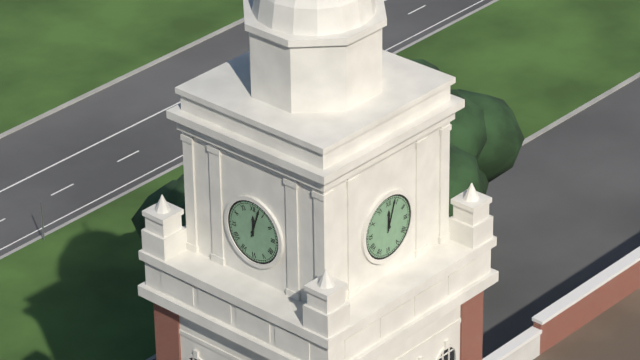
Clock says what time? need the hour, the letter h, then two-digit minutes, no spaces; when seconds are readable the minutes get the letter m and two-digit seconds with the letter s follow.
12h03
